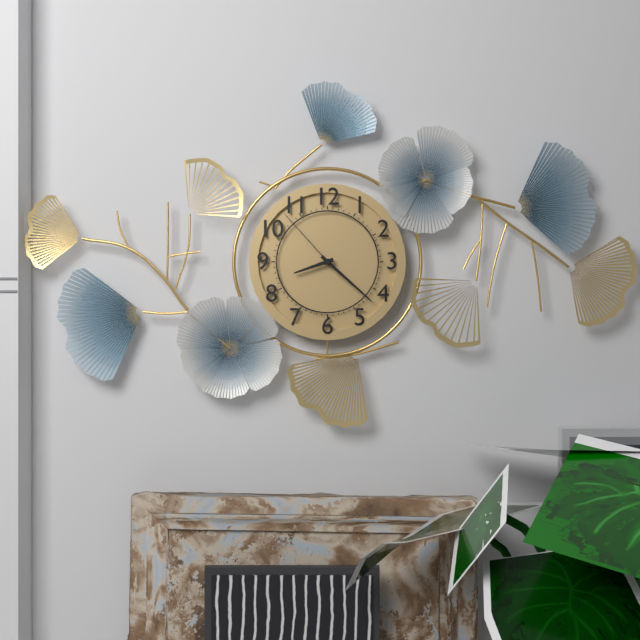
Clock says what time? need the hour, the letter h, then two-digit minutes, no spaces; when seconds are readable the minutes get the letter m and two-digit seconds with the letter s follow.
8h22m53s
